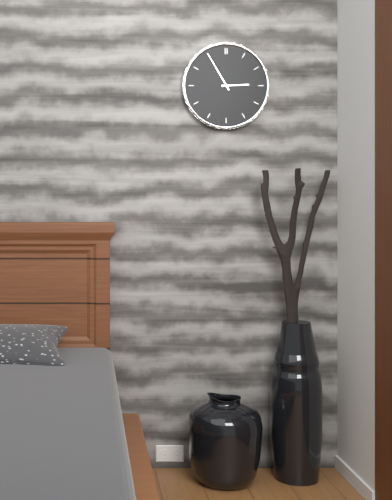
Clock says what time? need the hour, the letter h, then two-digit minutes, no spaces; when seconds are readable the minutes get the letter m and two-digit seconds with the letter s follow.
2h55
